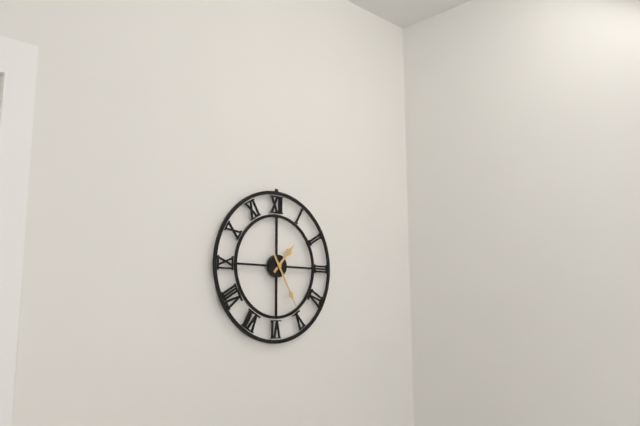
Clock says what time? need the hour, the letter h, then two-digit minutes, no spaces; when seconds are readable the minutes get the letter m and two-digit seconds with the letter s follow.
1h25
